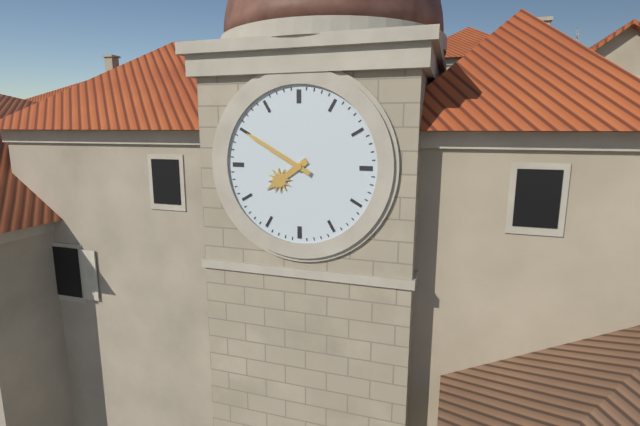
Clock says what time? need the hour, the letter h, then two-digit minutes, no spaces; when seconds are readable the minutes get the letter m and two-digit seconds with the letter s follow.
7h50
